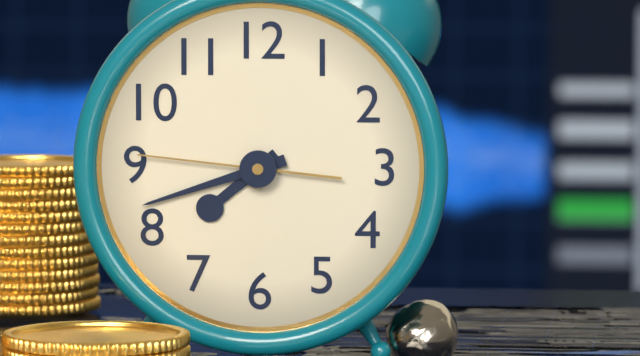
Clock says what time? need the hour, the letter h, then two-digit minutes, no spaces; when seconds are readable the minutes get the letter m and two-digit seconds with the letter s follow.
7h42m46s
